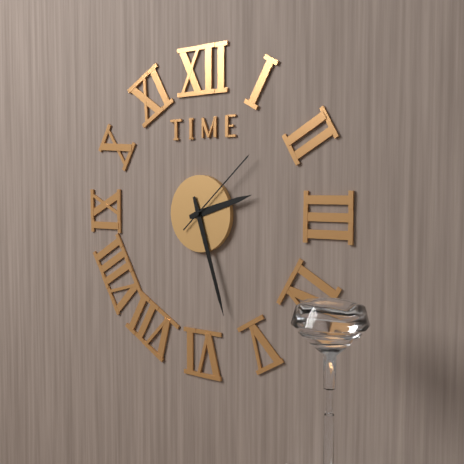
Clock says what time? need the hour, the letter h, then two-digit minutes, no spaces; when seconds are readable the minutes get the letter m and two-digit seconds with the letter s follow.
2h27m08s
